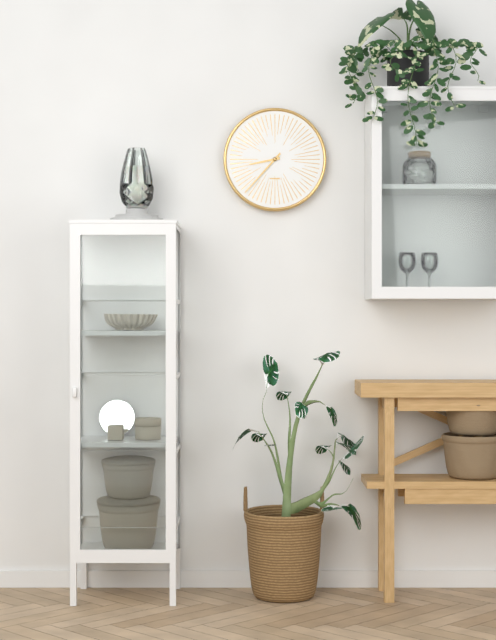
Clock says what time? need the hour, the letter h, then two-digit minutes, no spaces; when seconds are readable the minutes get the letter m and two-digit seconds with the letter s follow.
8h37
